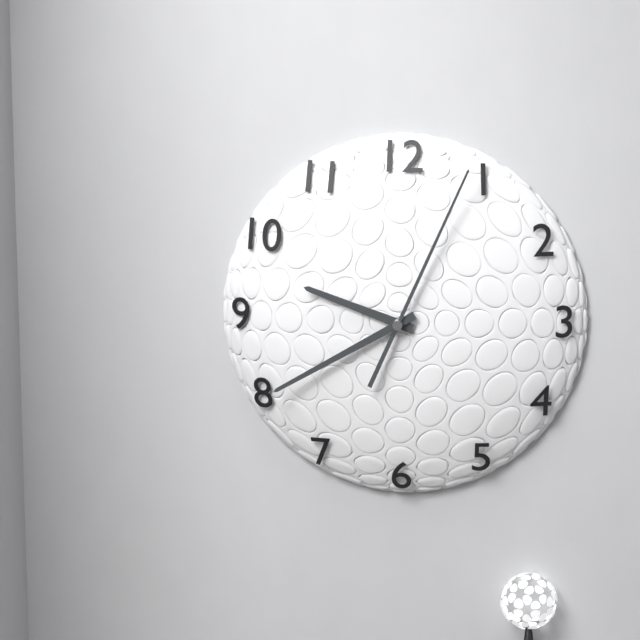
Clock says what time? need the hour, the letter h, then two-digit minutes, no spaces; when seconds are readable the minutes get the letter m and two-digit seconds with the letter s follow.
9h40m04s
